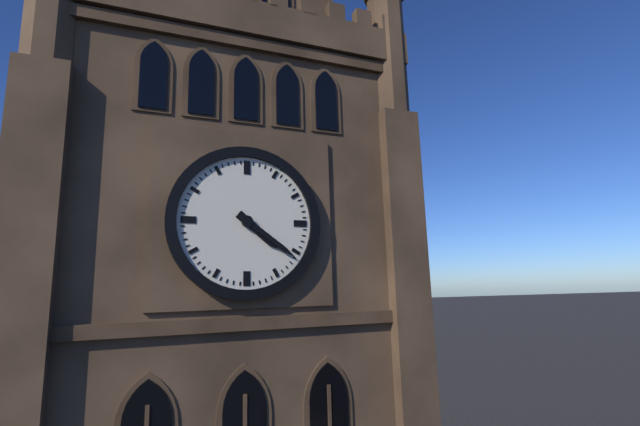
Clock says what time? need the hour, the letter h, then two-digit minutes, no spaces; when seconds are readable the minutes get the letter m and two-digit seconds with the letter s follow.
4h21
